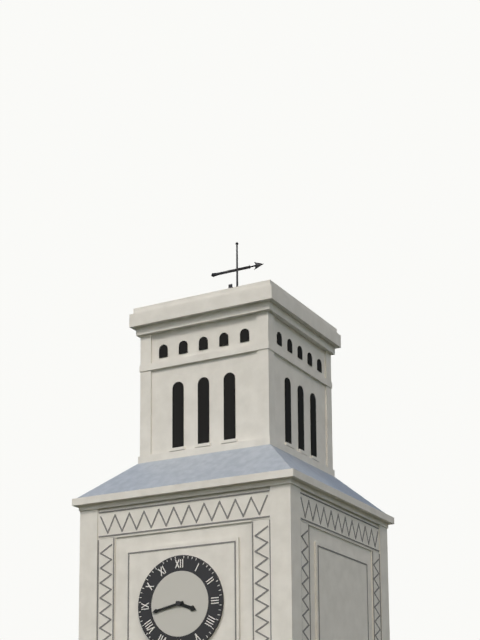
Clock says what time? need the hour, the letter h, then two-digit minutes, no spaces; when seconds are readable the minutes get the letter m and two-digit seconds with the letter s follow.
3h43
